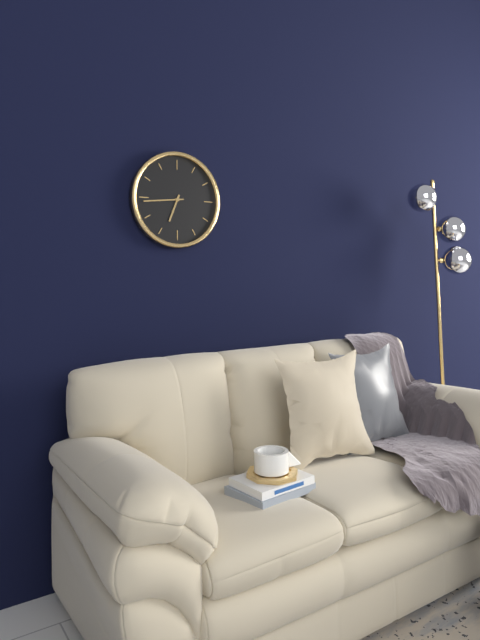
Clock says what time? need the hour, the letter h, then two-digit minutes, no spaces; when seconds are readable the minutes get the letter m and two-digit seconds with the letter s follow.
6h44
